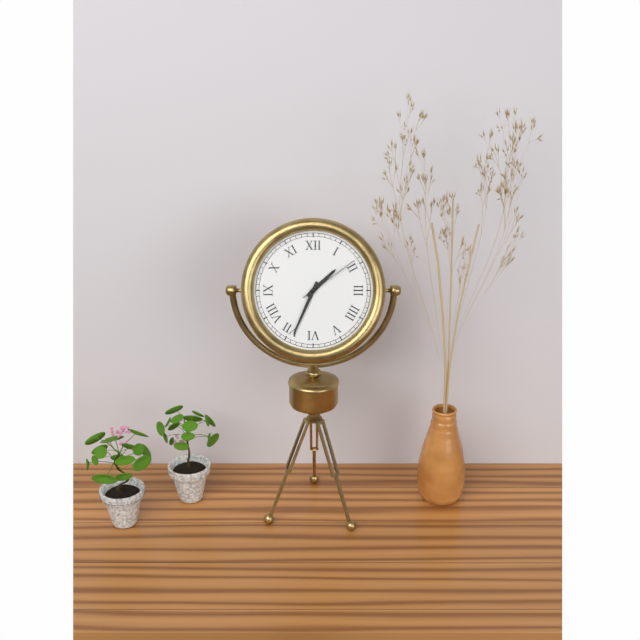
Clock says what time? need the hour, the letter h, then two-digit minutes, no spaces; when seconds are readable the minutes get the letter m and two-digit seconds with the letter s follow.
1h34m09s
